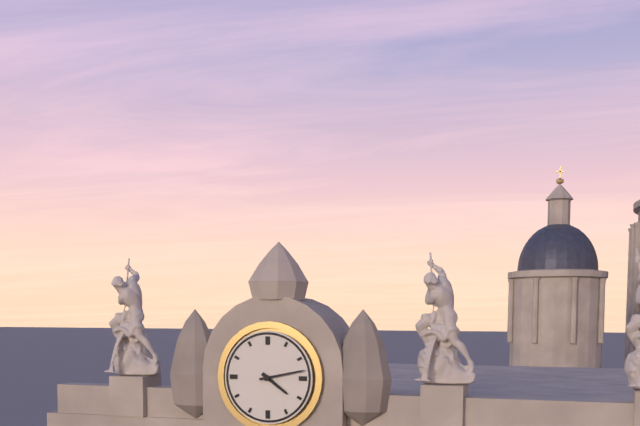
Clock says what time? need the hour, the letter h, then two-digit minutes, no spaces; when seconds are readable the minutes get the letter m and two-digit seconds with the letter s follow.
4h13
